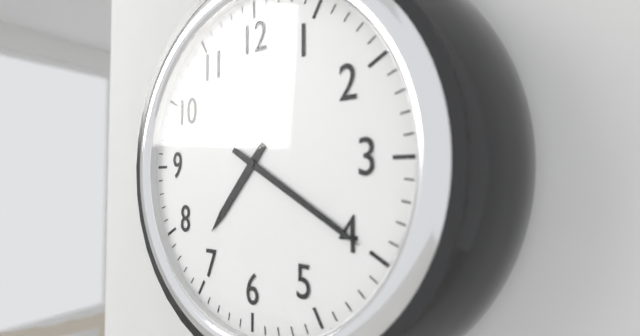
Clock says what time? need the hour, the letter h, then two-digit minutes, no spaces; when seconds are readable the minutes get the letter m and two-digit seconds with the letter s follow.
7h20
